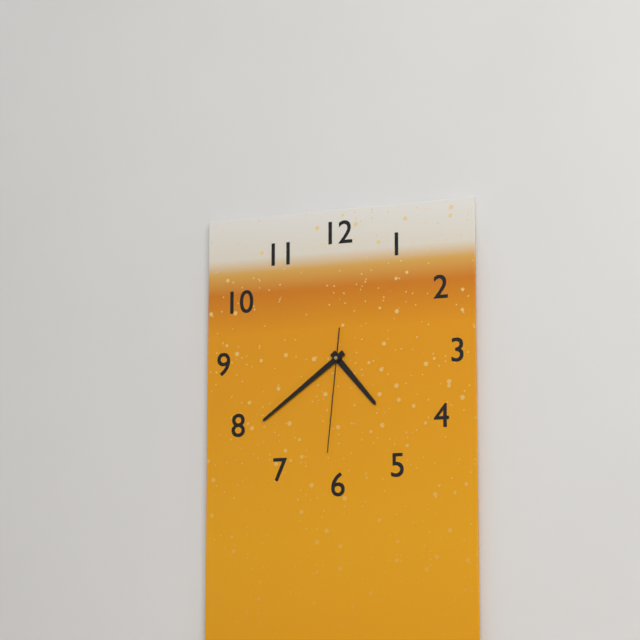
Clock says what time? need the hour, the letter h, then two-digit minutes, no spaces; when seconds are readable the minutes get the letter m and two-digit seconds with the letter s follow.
4h39m31s
